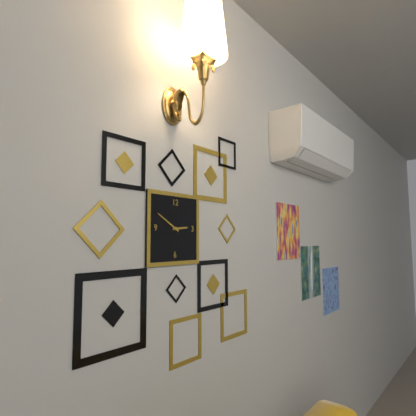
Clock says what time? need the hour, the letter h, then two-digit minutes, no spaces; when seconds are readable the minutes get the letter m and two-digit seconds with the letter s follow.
2h50
